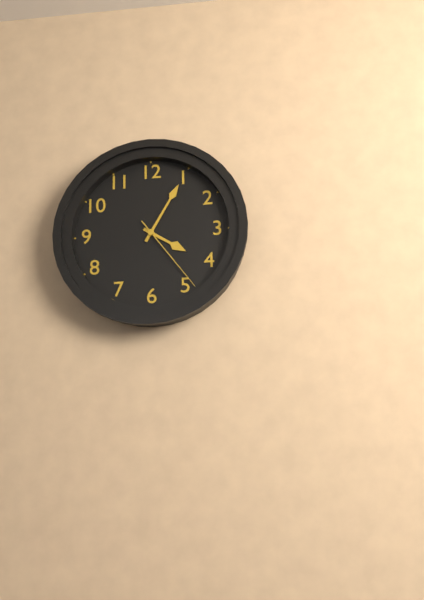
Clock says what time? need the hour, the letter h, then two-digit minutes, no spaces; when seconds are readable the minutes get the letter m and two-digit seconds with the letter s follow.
4h05m24s
